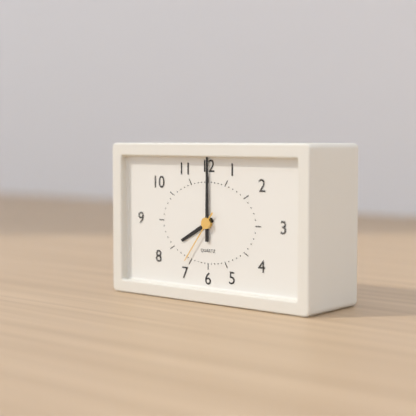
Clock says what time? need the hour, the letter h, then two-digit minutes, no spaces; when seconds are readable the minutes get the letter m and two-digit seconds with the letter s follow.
8h00m36s
